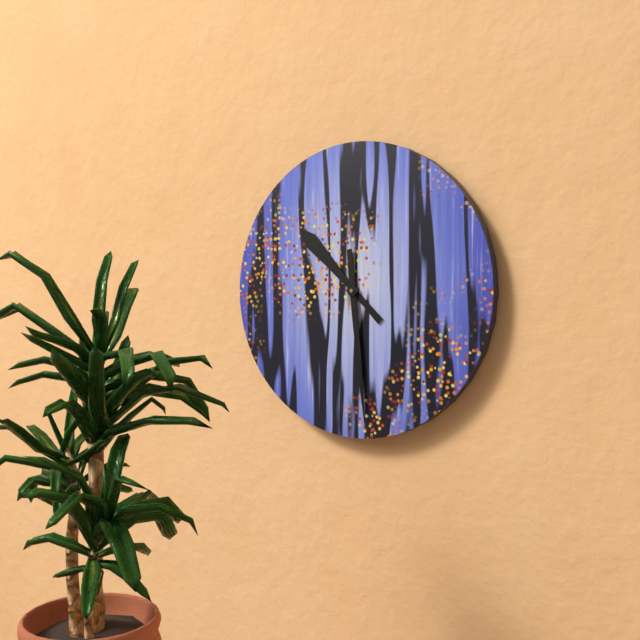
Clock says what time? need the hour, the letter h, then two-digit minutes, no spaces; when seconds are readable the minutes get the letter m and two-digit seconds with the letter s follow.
10h29
